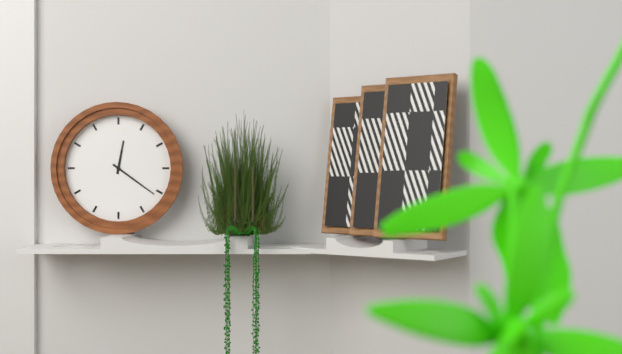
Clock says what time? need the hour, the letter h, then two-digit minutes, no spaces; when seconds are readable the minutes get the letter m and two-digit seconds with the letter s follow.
12h21
